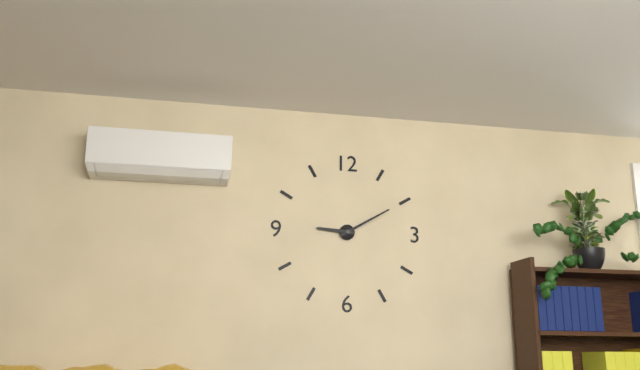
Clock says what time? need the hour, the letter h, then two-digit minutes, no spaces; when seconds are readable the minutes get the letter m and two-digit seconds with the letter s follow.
9h10
